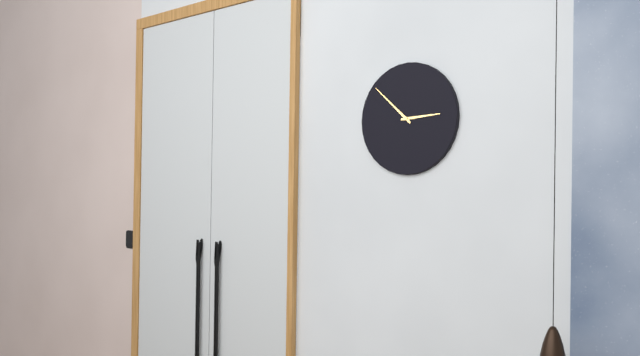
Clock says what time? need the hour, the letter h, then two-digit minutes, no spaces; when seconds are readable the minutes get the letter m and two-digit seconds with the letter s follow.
2h52
